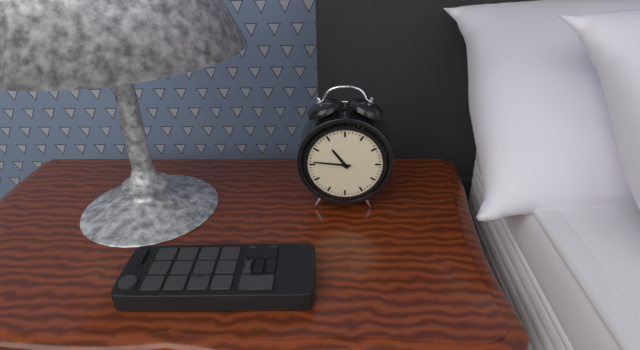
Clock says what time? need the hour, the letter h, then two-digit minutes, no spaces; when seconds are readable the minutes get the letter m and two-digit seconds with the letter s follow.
10h46
